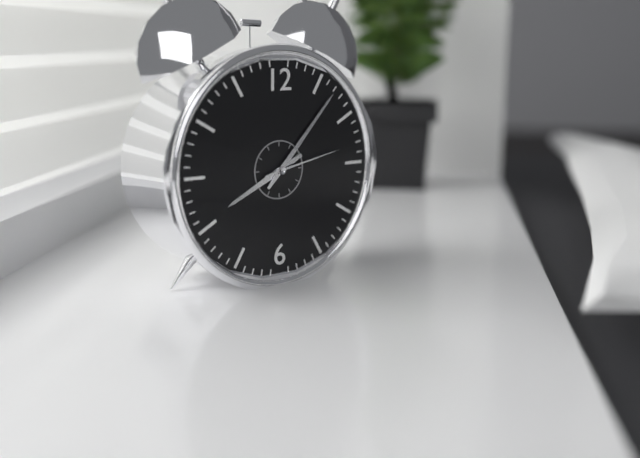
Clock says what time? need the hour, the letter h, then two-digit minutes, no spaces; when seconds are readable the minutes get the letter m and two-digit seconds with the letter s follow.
8h07m13s
